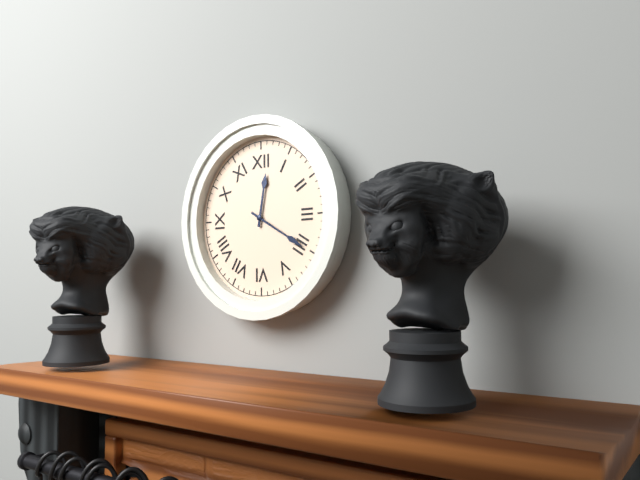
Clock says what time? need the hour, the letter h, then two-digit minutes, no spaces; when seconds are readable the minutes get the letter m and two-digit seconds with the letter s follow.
12h20
